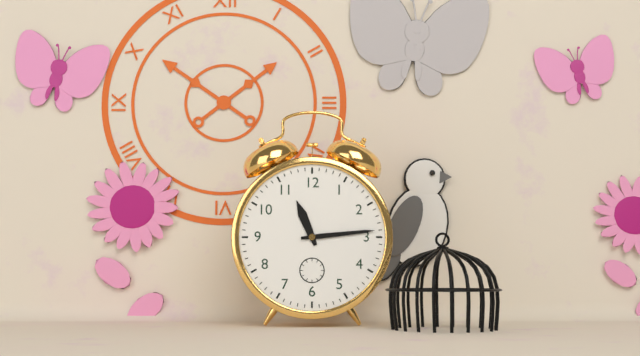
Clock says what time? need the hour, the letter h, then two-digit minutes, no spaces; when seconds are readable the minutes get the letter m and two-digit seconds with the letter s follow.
11h14
